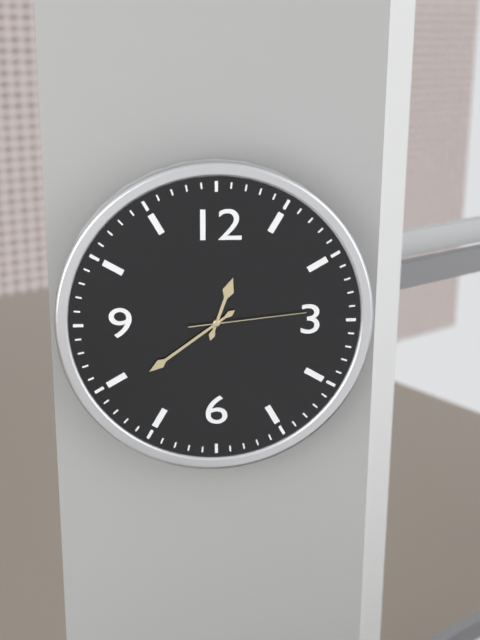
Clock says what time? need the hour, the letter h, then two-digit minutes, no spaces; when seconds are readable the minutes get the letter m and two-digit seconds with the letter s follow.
12h39m14s
